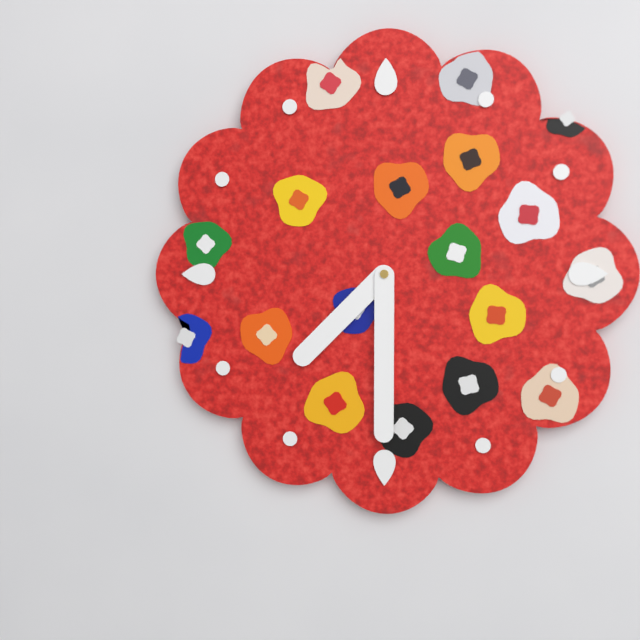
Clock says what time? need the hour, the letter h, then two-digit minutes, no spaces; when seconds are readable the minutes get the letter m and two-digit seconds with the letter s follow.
7h30
